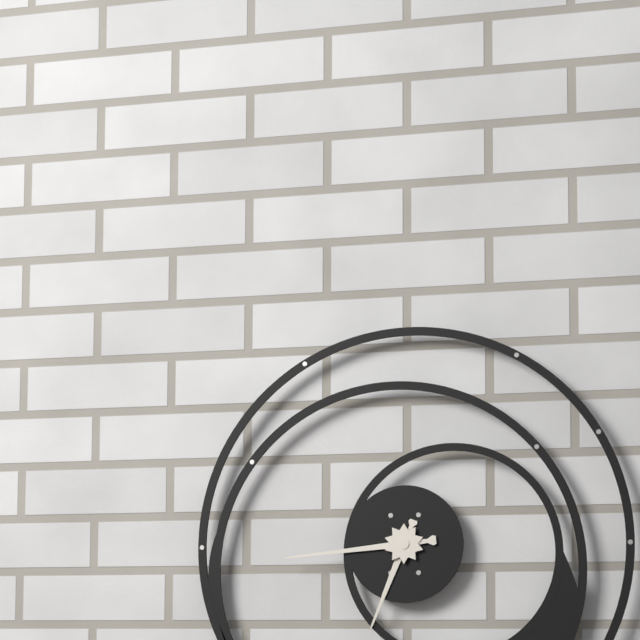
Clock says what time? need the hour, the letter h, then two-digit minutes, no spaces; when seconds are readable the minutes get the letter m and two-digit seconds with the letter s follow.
6h44
